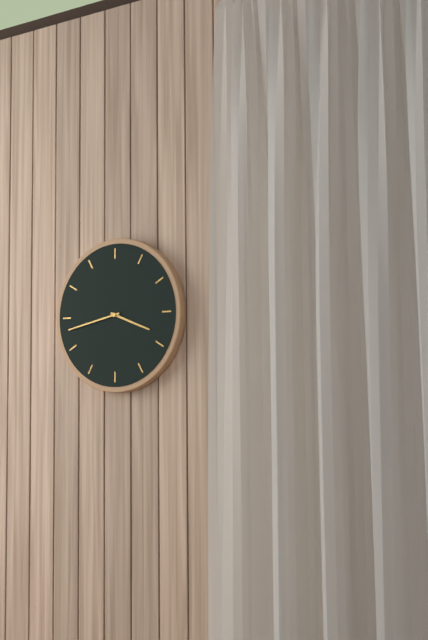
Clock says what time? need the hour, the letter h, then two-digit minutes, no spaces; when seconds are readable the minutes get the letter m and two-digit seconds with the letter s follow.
3h43
